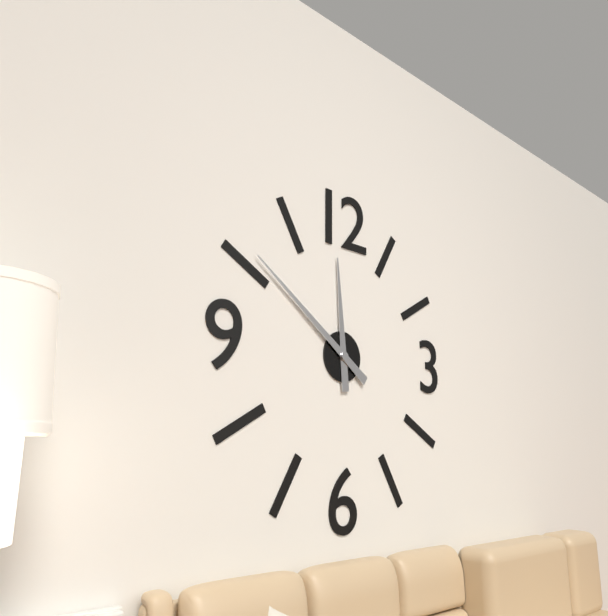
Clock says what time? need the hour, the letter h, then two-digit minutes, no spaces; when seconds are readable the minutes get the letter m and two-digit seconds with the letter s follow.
11h51
